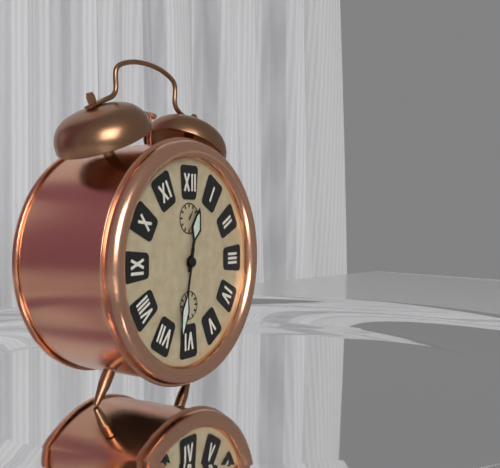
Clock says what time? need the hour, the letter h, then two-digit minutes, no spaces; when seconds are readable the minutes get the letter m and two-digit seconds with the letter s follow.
12h32
